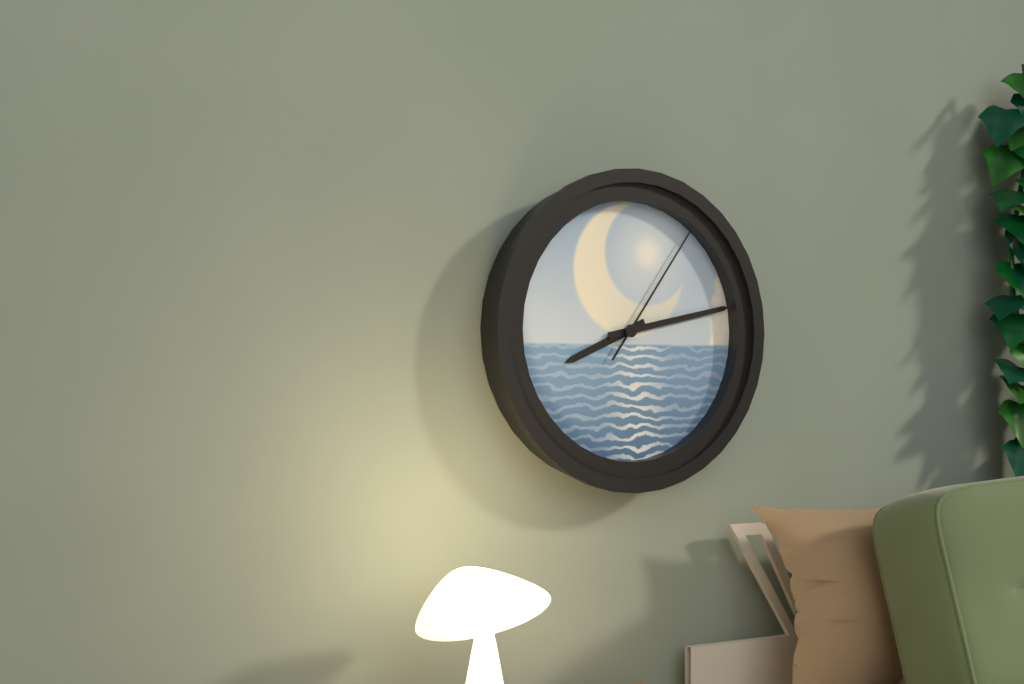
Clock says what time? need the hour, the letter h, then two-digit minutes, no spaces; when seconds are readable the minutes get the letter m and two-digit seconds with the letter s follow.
8h13m06s
